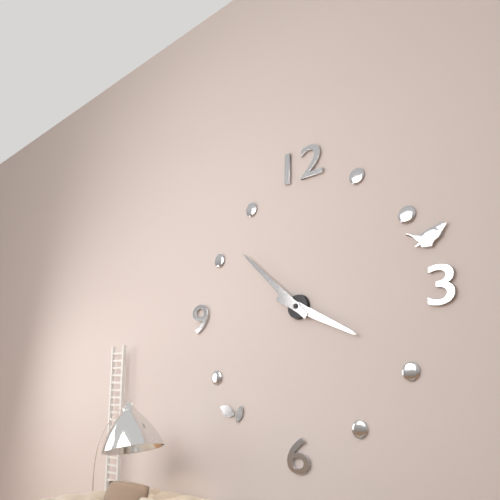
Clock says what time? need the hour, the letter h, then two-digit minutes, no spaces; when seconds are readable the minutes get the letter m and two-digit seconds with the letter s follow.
3h52
